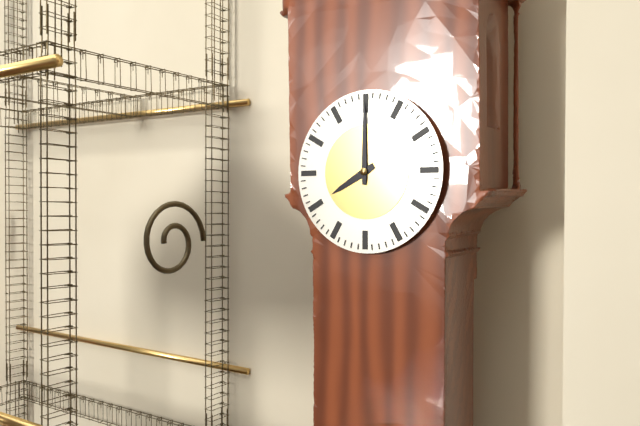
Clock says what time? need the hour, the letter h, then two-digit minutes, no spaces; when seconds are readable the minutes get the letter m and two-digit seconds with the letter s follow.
8h00
